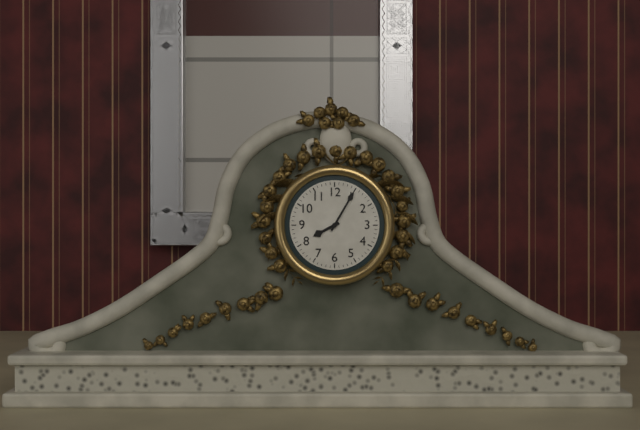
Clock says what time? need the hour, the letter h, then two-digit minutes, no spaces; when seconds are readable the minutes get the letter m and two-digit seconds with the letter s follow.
8h05
